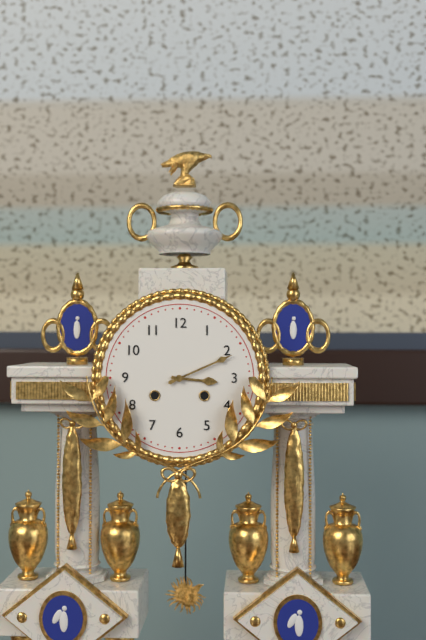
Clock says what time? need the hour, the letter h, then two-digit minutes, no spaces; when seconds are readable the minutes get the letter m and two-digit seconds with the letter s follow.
3h11
